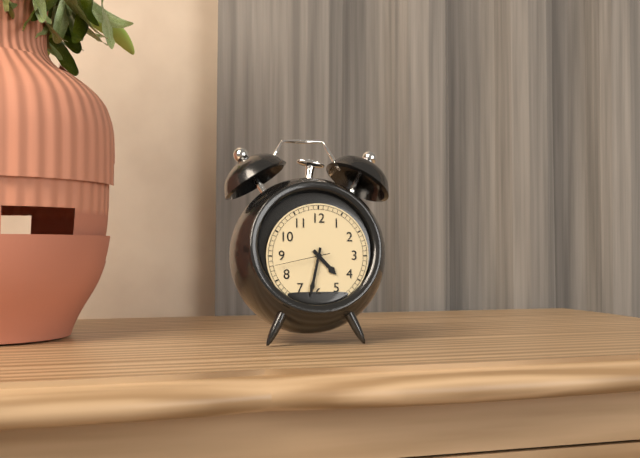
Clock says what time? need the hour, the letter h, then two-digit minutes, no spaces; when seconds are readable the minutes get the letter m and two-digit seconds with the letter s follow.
4h32m43s
